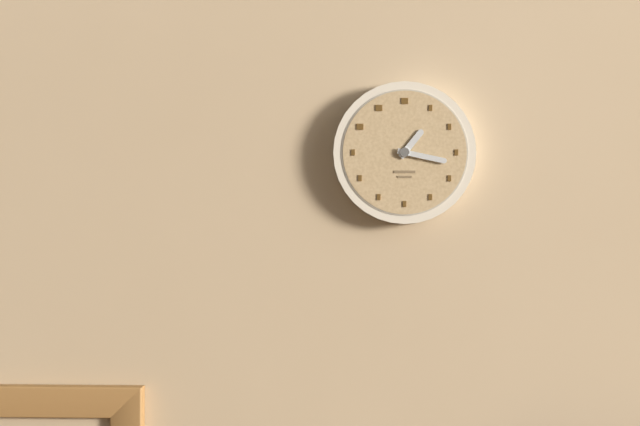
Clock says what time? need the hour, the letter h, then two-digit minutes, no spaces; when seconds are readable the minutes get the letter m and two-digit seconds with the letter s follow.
1h17
